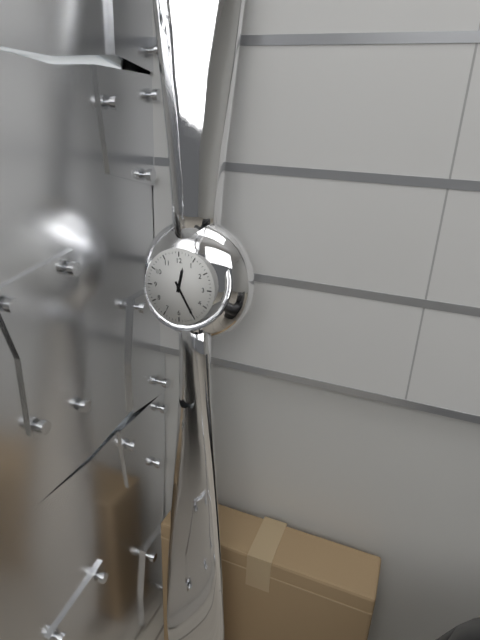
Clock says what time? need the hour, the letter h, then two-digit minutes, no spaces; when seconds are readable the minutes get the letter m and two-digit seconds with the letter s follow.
12h25
